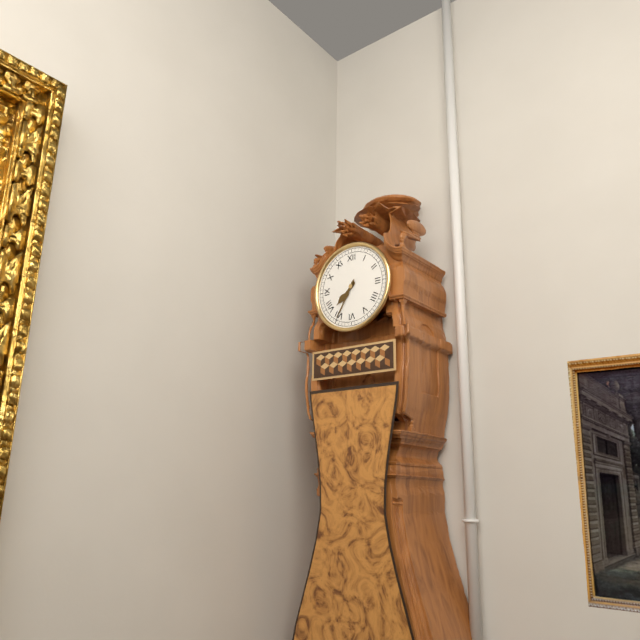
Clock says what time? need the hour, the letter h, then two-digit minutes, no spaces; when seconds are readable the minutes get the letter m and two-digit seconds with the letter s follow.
7h35
